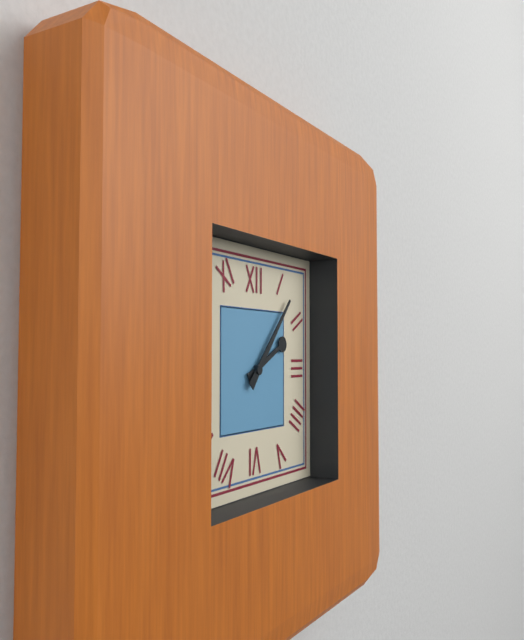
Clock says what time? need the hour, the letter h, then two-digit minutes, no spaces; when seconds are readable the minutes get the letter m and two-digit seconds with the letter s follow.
2h07
